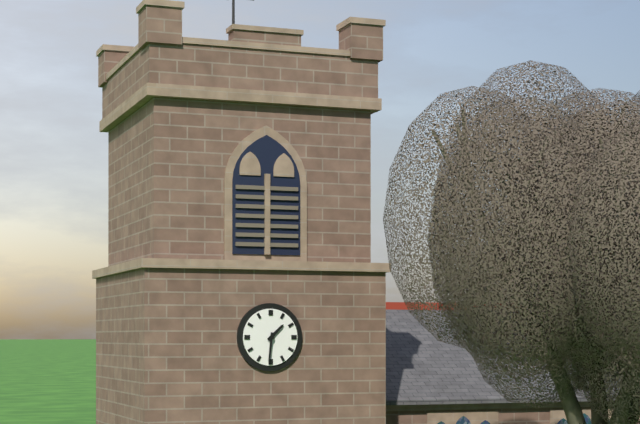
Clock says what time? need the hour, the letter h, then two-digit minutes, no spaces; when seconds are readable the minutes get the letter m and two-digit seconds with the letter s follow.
1h31
